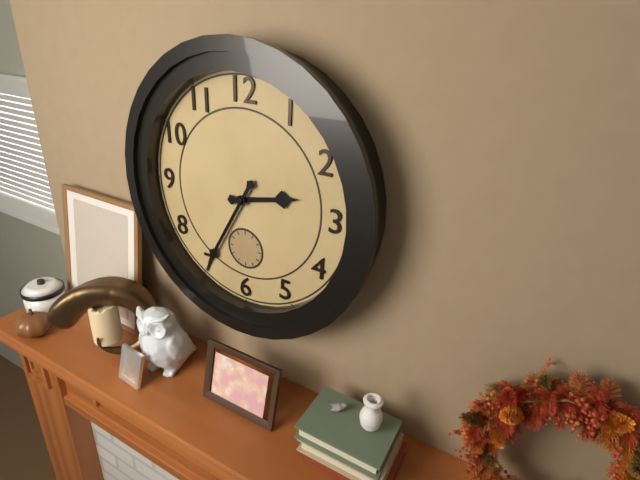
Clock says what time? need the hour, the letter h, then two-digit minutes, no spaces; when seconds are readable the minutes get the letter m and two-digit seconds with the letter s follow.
2h35
